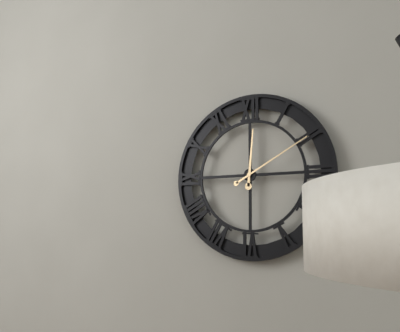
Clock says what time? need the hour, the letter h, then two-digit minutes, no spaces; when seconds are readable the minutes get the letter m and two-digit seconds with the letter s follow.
12h10
